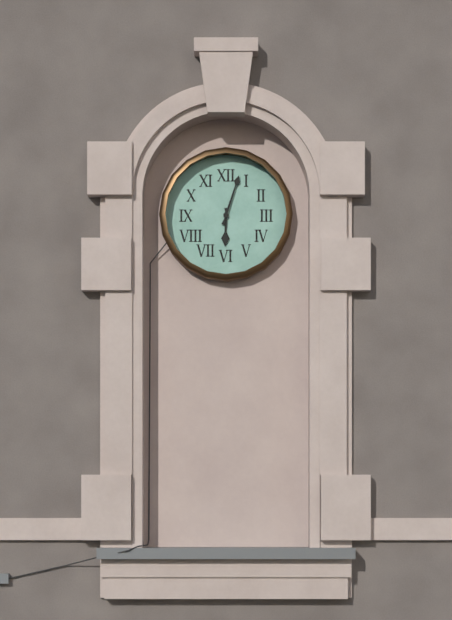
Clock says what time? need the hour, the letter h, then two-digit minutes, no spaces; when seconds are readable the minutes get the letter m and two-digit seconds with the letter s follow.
6h03
